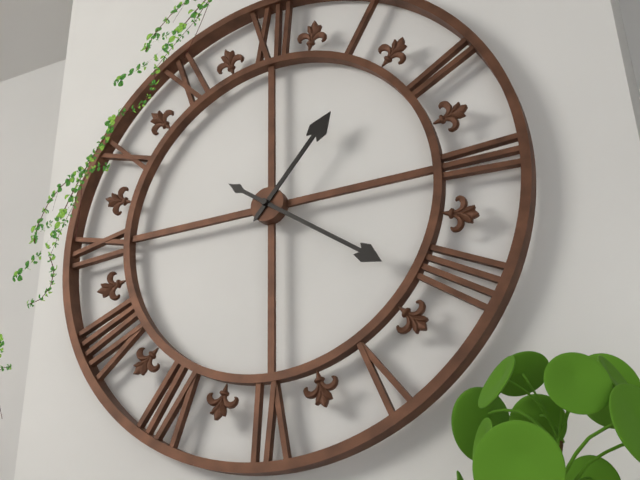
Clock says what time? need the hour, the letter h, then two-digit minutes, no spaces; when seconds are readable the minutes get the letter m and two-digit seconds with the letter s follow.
1h21
